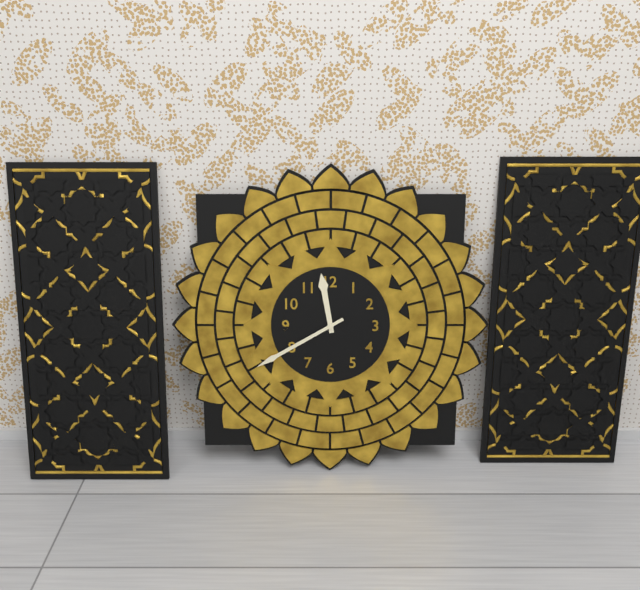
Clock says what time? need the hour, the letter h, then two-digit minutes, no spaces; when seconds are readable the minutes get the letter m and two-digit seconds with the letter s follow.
11h40
